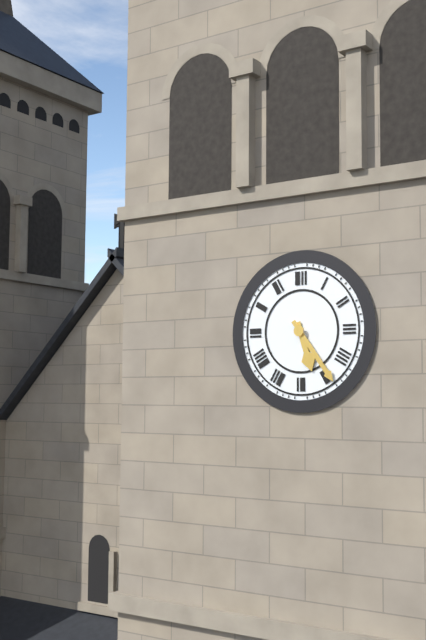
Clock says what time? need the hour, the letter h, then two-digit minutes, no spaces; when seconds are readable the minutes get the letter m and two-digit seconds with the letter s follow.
5h24
